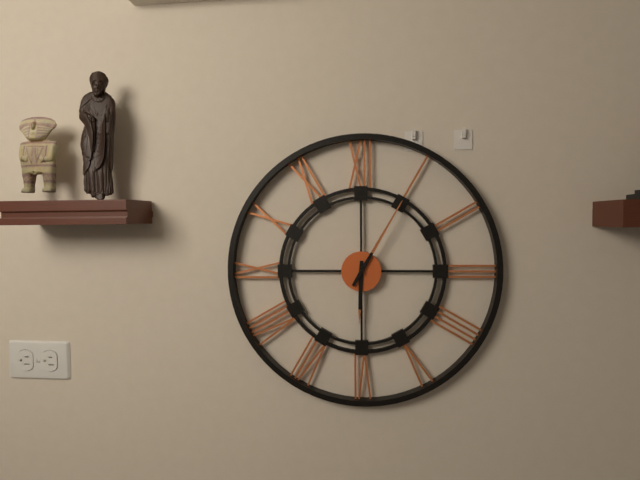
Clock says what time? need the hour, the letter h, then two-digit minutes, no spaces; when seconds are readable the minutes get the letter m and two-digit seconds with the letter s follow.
6h05
